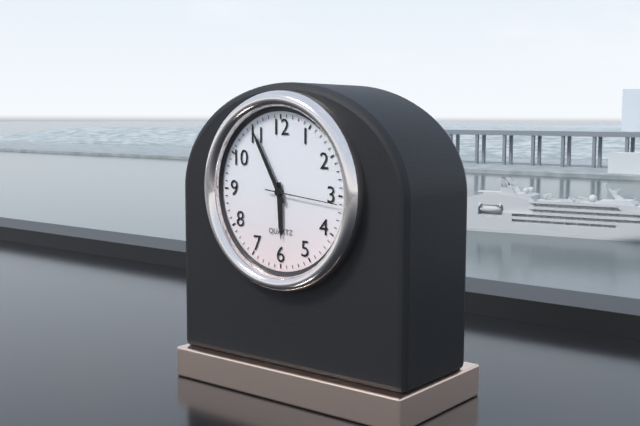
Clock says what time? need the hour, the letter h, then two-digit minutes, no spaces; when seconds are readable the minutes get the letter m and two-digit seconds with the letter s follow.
5h55m16s
